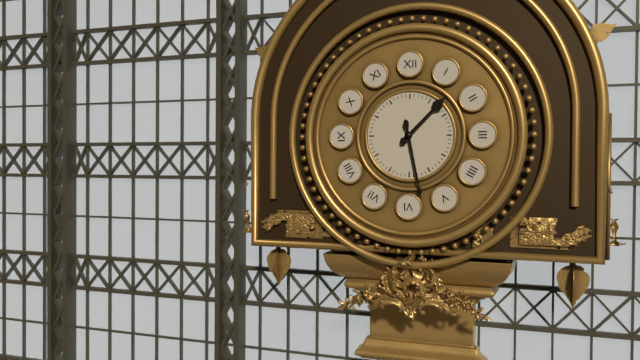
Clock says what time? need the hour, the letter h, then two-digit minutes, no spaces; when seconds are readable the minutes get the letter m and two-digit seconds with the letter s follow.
1h28
